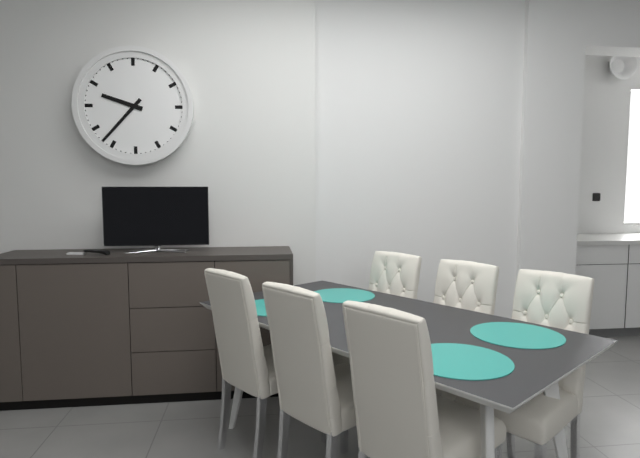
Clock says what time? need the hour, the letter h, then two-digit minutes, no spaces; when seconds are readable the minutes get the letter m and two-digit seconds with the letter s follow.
9h37
